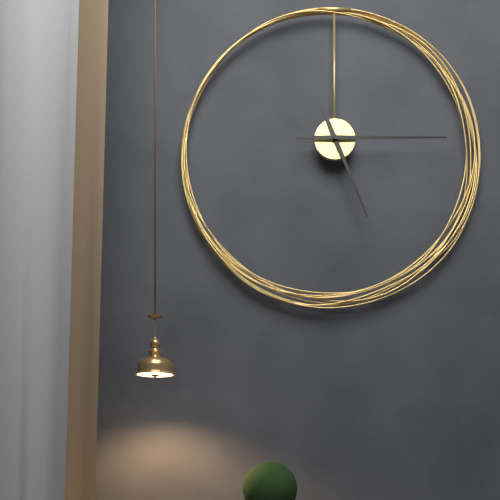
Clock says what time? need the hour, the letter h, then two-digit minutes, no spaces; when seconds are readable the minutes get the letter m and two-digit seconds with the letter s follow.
5h15
